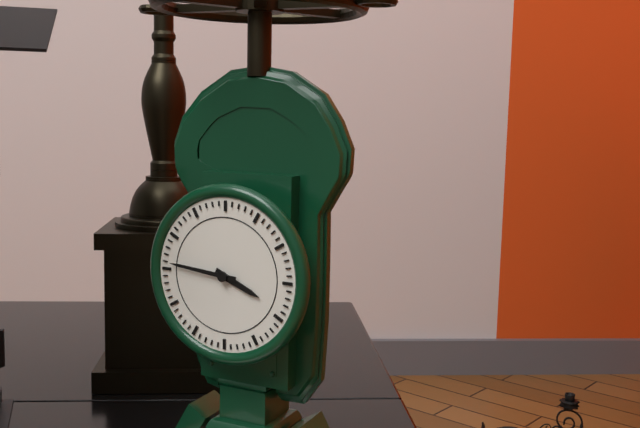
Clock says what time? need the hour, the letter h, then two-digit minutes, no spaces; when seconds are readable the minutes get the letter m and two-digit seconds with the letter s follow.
3h46
